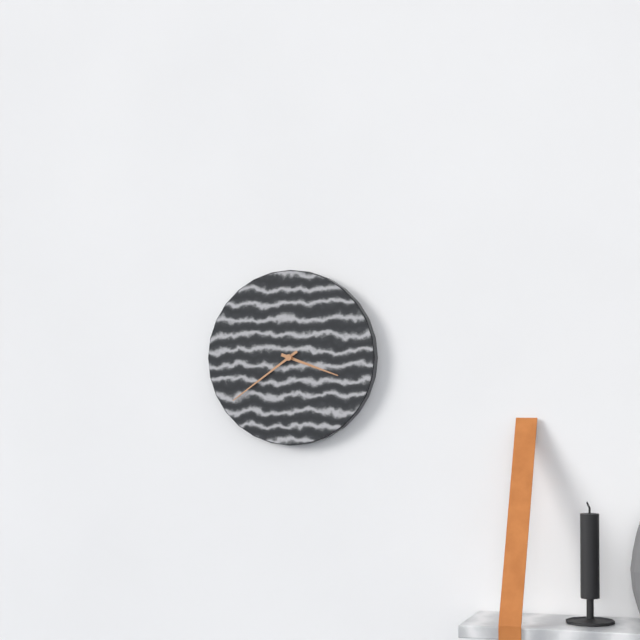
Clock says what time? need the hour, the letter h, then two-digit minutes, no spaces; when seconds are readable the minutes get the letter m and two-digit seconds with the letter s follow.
3h39
